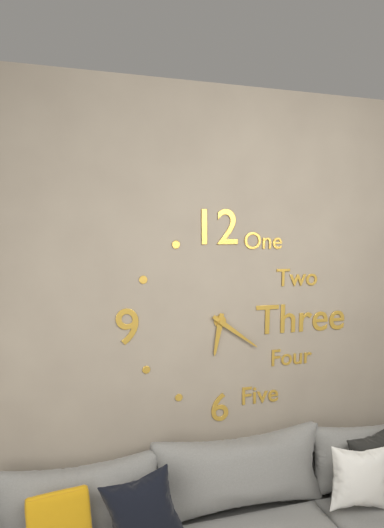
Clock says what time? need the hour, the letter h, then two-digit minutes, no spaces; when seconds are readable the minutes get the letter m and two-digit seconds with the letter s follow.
6h21
